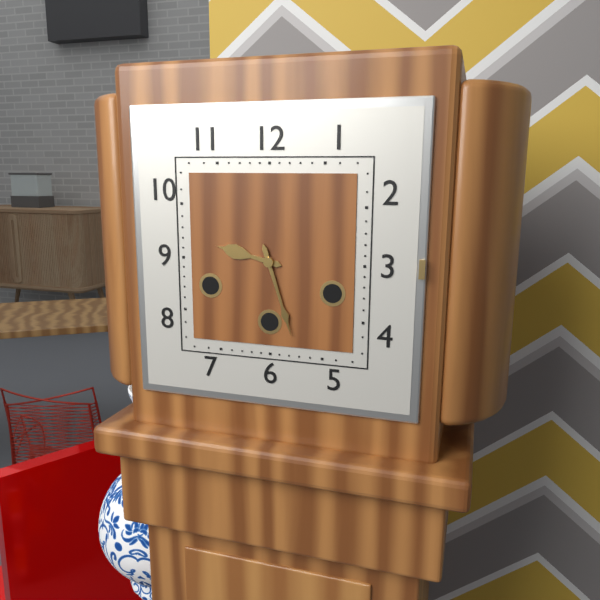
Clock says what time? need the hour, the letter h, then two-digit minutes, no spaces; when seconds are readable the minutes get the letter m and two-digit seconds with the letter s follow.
9h27
